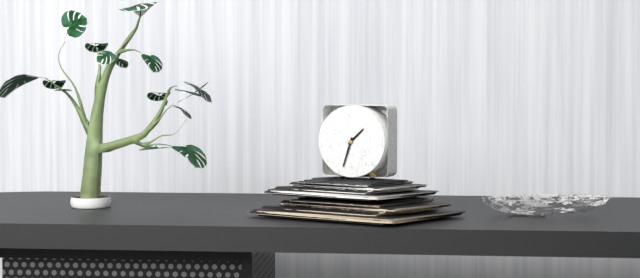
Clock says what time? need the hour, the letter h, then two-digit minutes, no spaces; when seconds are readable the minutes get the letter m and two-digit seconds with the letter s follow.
1h33
